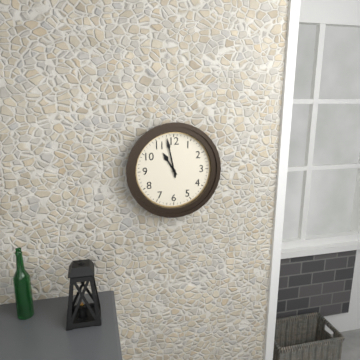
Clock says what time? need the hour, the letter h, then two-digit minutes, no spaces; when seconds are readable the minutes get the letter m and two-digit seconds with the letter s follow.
10h58
